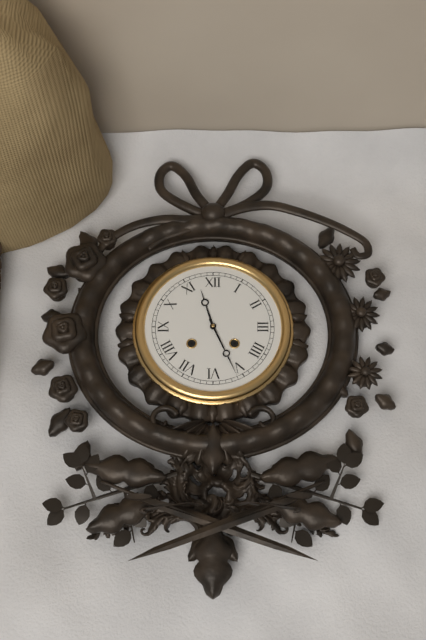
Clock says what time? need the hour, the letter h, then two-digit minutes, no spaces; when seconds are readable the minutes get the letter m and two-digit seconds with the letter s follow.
11h26
